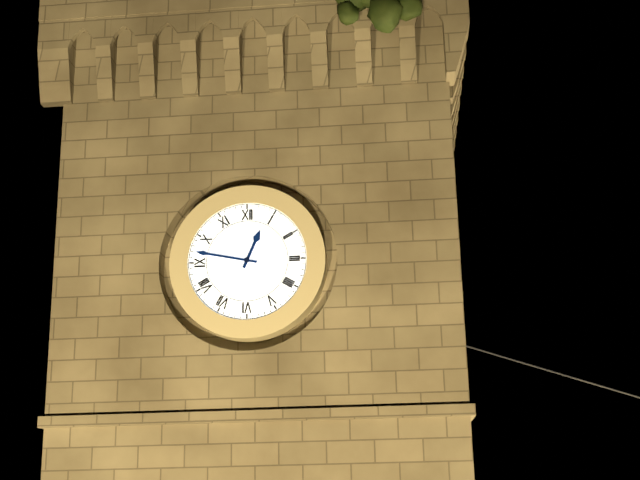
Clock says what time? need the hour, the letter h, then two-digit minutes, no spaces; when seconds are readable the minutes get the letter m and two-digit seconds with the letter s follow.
12h47
